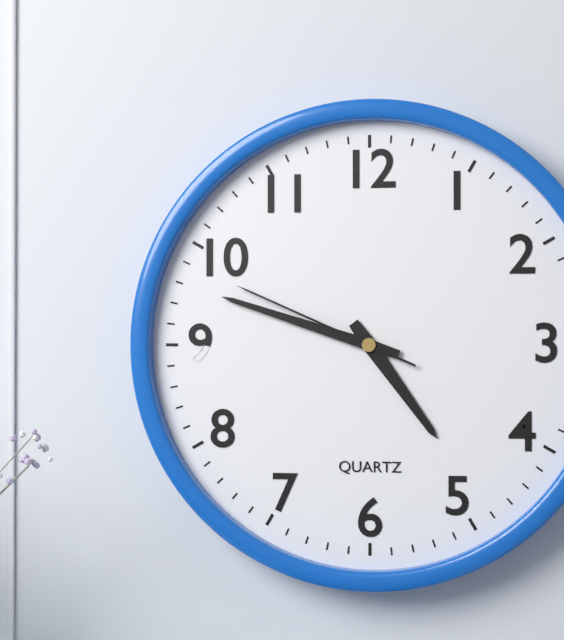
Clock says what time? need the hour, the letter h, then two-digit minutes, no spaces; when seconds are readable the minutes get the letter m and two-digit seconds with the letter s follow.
4h48m49s
